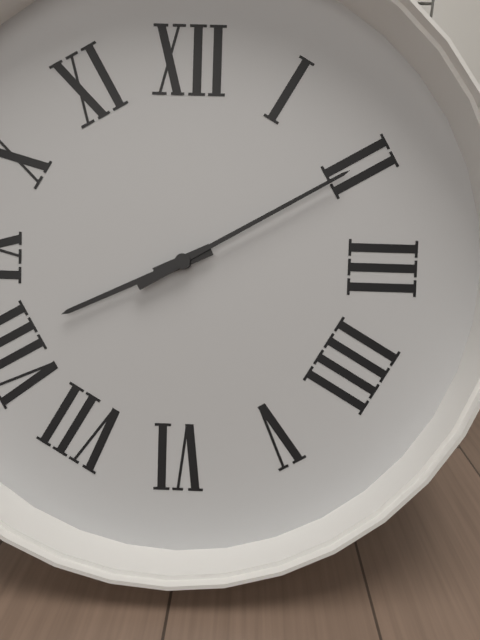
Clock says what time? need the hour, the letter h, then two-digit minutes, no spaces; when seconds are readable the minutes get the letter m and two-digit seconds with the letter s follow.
8h10
